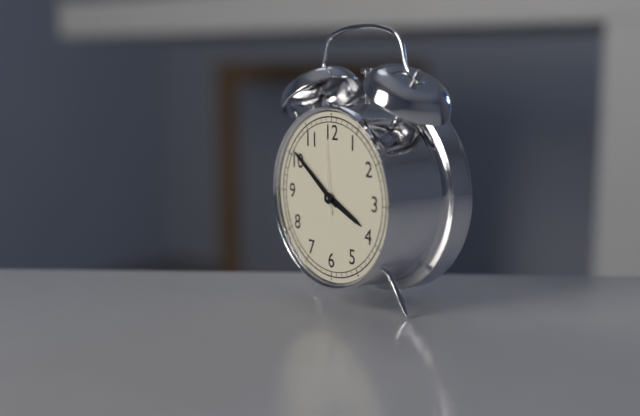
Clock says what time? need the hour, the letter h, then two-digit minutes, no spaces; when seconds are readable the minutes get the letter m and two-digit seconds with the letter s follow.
3h51m59s
